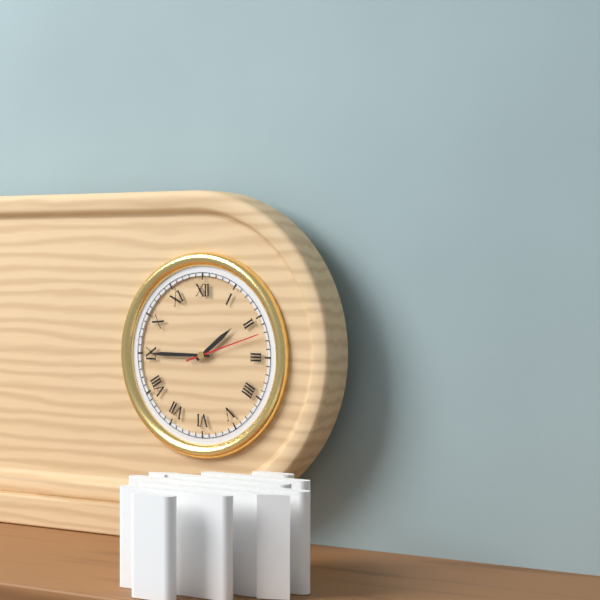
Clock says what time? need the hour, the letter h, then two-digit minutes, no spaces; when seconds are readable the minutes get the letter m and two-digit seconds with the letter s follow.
1h45
